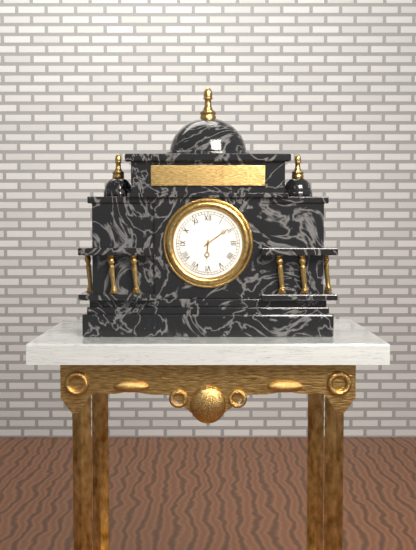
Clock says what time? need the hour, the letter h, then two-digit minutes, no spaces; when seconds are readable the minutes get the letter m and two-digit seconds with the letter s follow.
6h09
